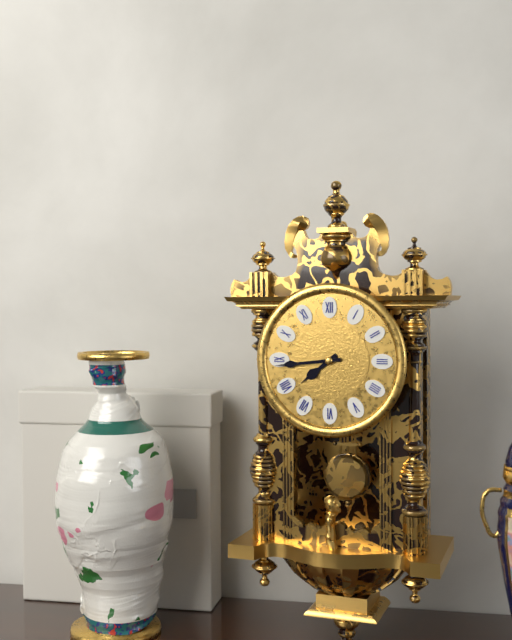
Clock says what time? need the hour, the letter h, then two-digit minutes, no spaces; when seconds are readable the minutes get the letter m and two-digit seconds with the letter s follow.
7h44
